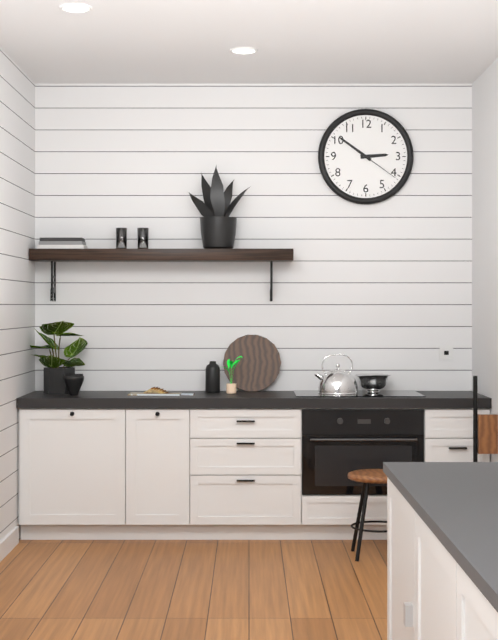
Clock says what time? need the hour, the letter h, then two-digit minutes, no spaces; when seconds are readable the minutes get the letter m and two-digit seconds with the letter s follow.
2h51
